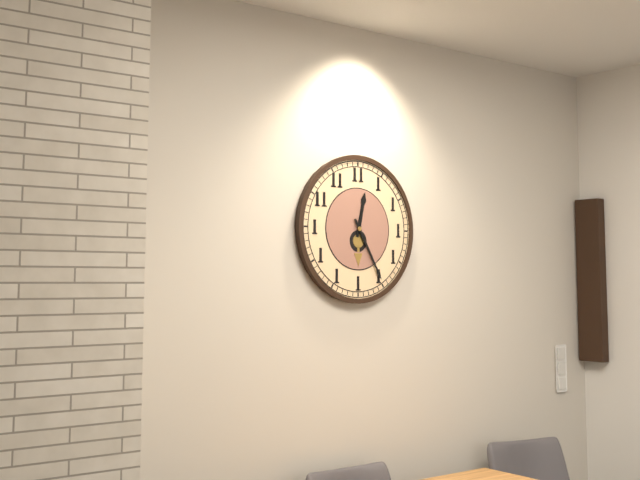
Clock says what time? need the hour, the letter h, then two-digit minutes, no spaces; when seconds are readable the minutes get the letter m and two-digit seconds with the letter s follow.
12h25
